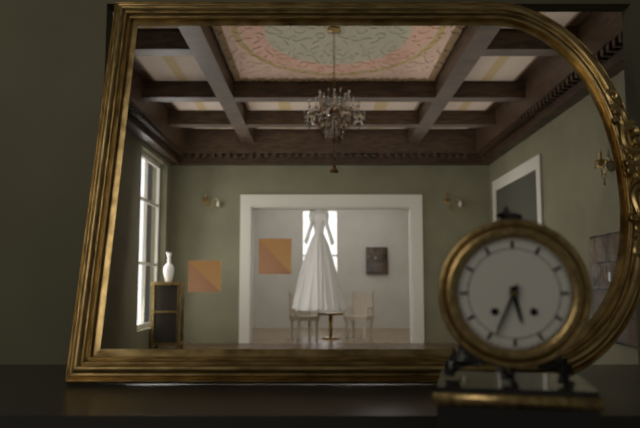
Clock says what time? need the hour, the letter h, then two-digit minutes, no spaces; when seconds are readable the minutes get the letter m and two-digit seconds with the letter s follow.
5h34
